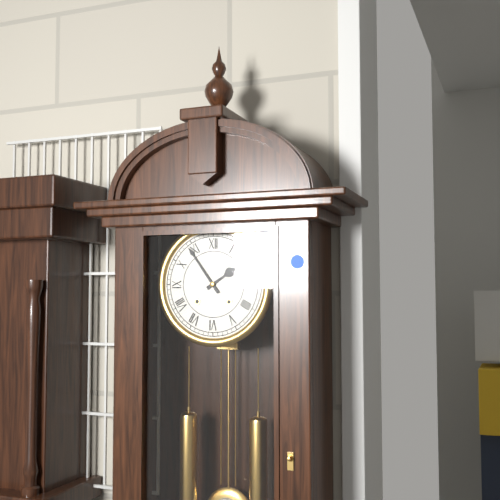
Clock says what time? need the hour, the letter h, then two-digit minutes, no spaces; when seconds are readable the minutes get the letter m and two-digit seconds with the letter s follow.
1h54
